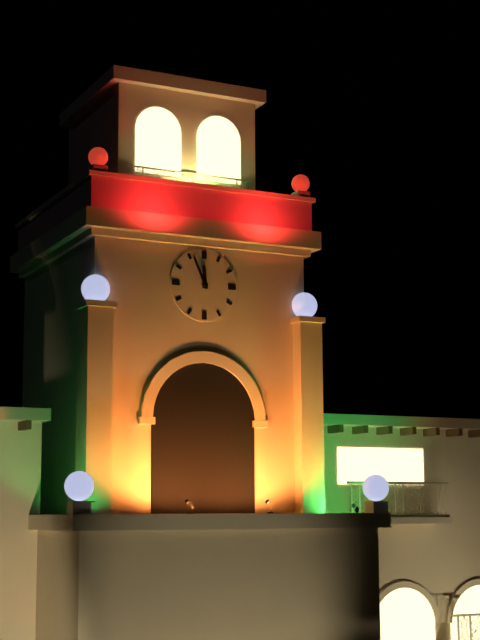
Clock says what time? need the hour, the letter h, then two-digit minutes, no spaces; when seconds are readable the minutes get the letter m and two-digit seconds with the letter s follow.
11h56
